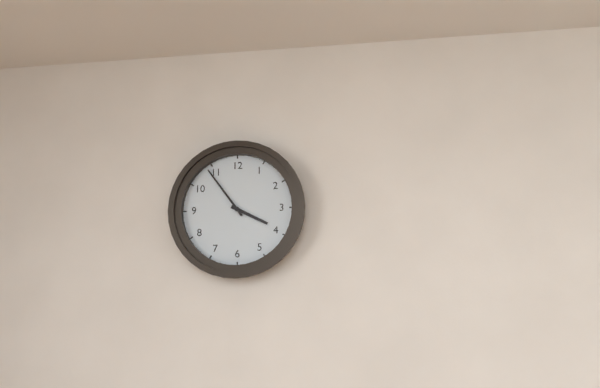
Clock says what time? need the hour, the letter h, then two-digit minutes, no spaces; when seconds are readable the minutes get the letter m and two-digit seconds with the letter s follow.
3h54
